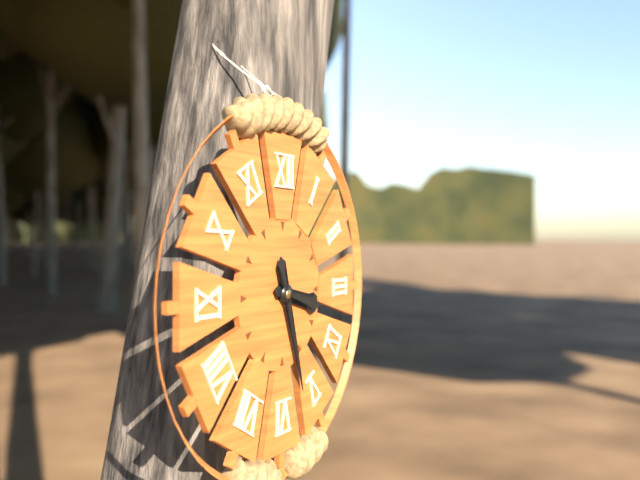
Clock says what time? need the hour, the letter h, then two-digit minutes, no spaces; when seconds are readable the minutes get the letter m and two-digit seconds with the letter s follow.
3h27
